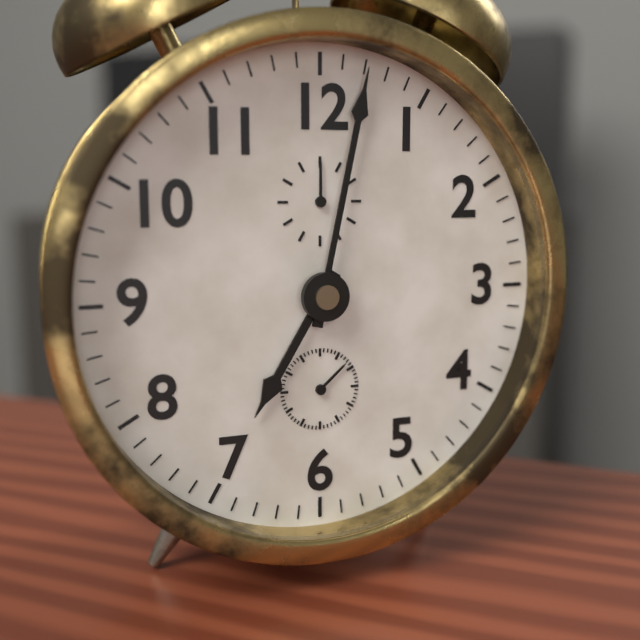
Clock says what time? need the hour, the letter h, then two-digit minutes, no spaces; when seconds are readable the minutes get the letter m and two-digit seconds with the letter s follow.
7h02
